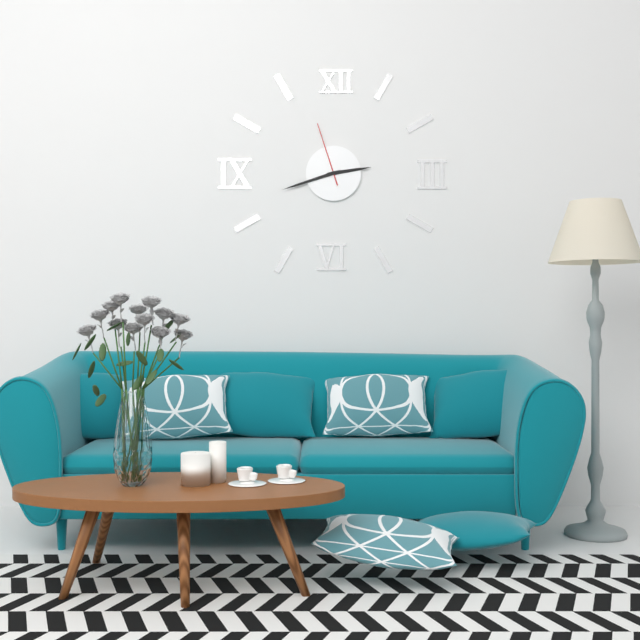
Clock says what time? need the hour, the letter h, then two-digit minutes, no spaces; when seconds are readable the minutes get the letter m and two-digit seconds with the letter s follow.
2h42m57s
